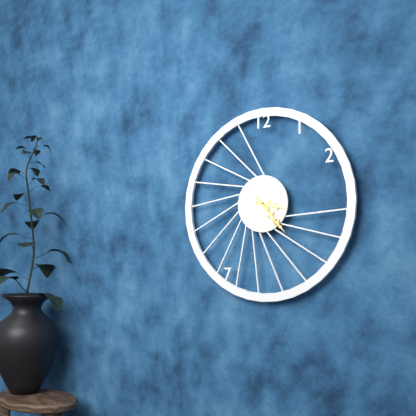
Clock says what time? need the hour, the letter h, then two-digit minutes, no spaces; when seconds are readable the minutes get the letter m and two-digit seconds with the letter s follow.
3h23
